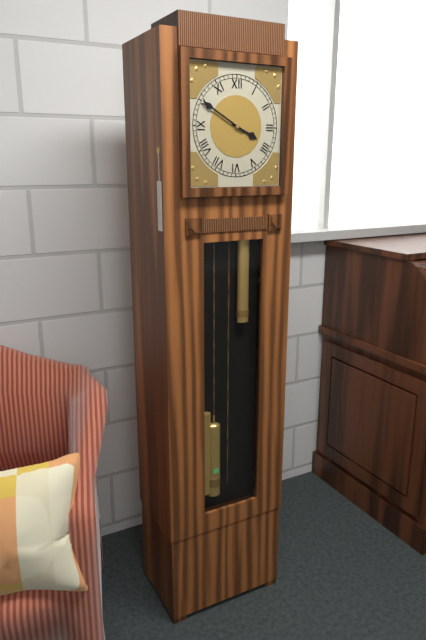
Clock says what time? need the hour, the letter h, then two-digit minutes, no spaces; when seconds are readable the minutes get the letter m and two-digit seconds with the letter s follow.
3h50
